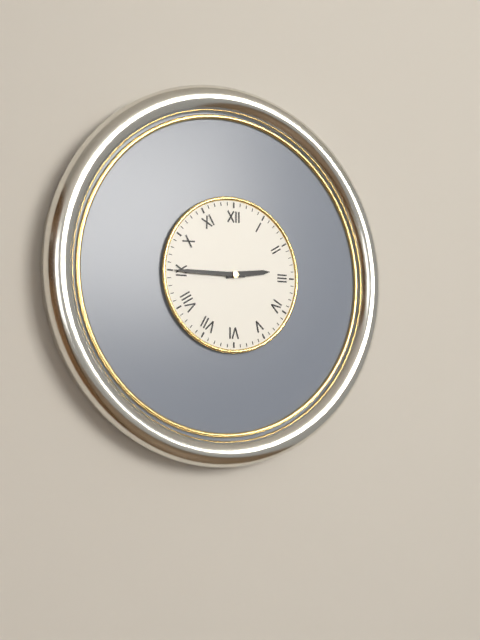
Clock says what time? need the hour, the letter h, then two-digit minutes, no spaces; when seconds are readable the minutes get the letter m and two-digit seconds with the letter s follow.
2h45
